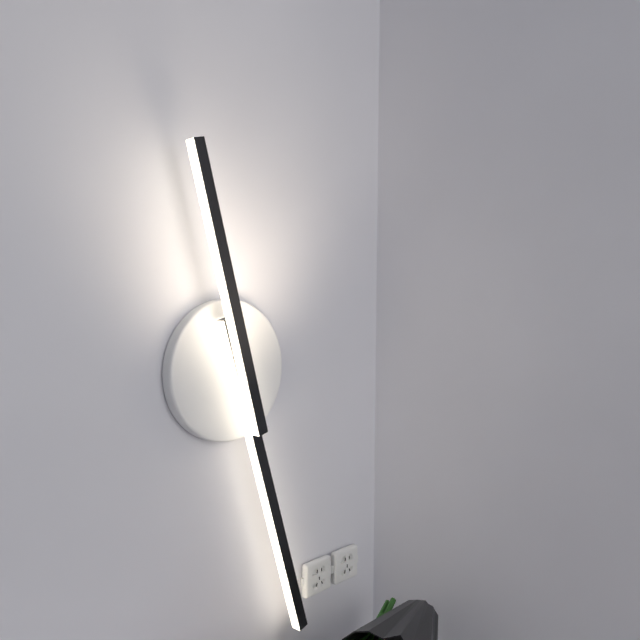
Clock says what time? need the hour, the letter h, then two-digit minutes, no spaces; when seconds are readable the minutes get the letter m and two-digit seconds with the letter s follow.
11h27
